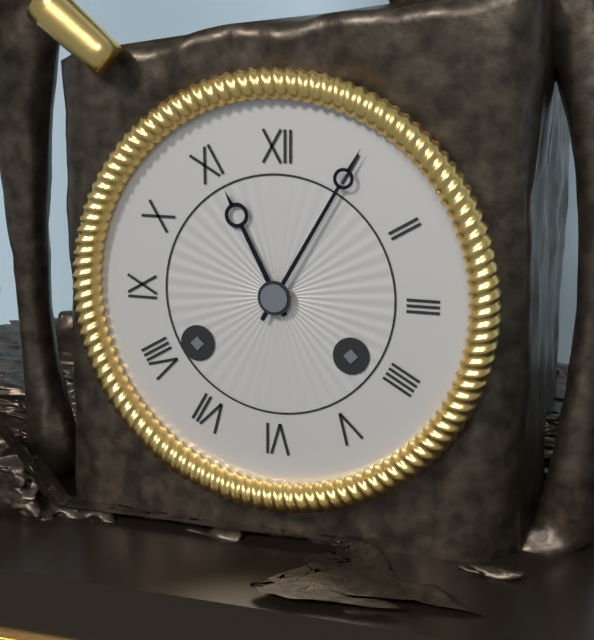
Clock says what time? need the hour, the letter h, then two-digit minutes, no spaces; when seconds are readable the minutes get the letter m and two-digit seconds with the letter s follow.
11h05
